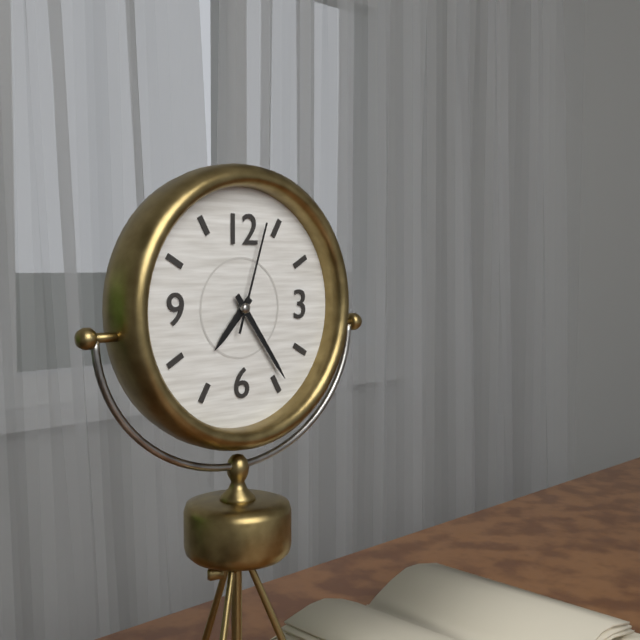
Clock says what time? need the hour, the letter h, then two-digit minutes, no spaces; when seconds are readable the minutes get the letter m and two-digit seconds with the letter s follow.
7h24m03s
